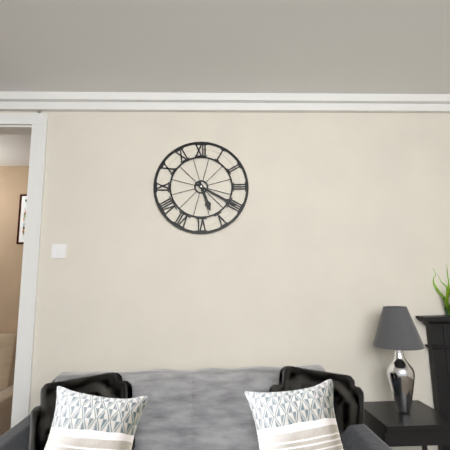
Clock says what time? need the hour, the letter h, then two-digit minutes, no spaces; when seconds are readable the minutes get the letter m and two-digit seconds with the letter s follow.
5h20
